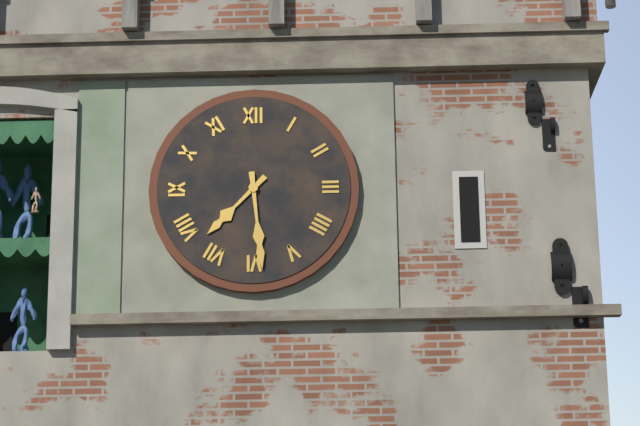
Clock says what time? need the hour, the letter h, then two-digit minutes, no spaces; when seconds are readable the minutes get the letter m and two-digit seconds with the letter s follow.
7h29
